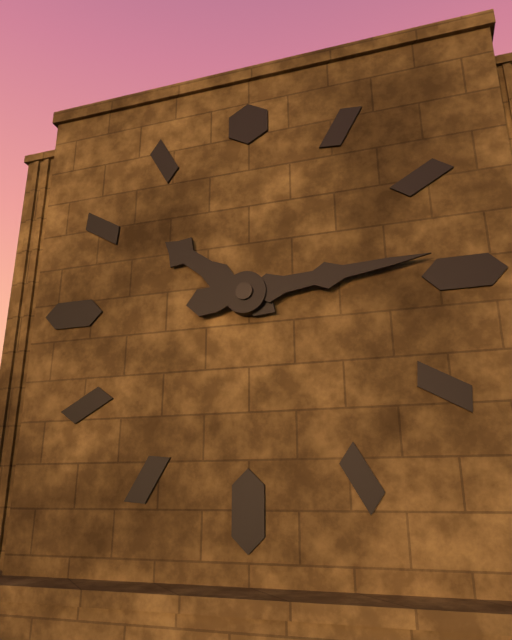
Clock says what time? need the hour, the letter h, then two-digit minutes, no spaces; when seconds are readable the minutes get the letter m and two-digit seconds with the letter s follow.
10h14
